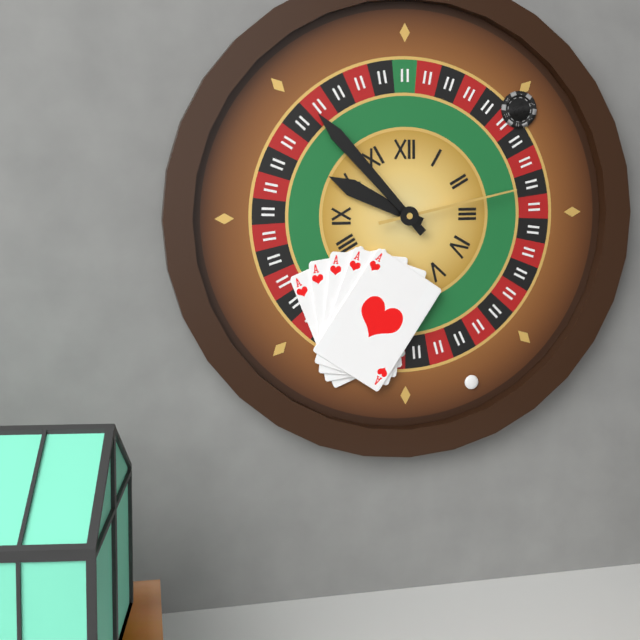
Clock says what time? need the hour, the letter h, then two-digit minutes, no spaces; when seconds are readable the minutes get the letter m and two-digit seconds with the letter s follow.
9h53m13s
